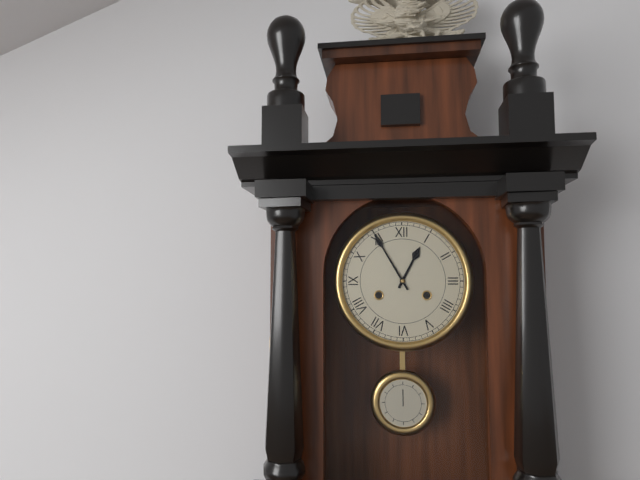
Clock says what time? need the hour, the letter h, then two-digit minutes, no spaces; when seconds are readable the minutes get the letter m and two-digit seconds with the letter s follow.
12h55
